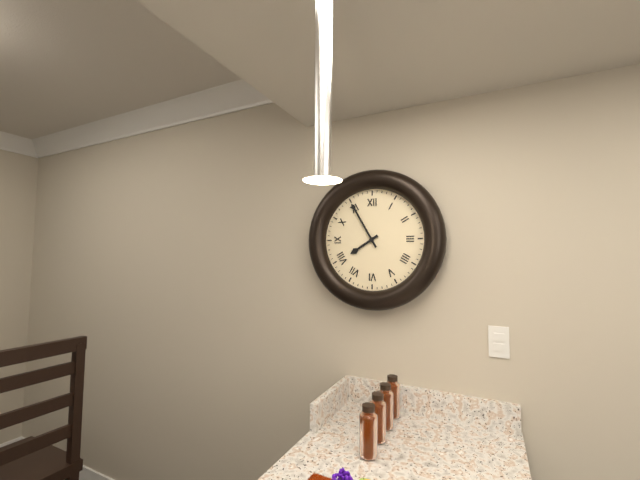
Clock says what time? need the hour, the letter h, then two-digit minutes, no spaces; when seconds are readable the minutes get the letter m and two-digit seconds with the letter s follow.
7h55
